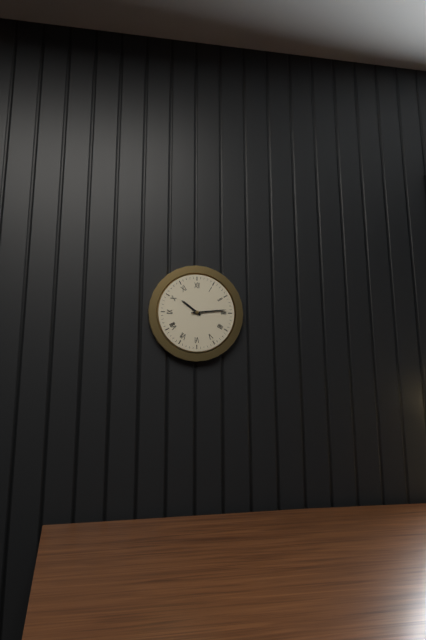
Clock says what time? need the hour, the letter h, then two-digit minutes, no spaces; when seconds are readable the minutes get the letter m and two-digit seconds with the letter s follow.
10h14
